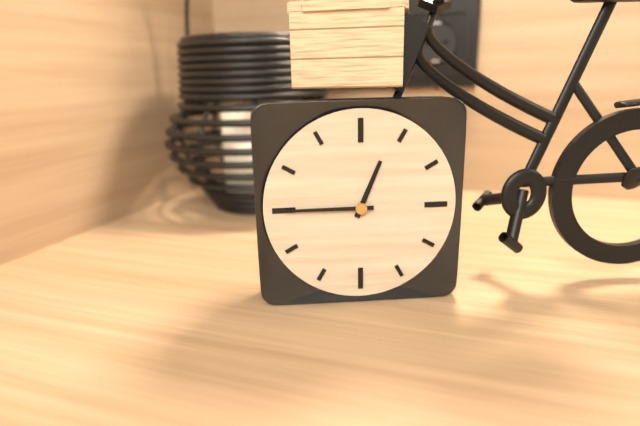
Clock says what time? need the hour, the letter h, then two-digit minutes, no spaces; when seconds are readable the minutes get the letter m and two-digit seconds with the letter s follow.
12h45
